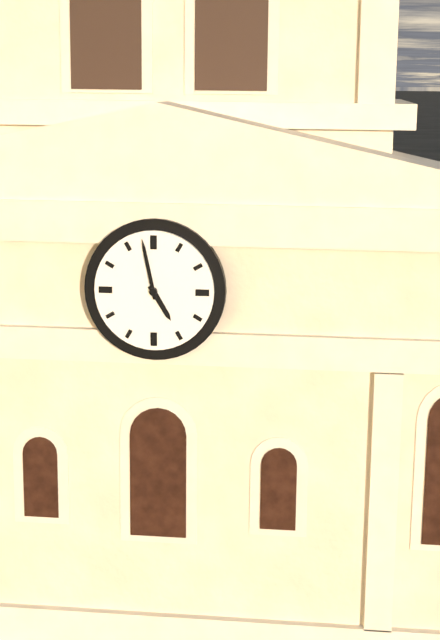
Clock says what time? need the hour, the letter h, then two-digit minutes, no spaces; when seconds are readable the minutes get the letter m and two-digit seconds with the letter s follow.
4h58
